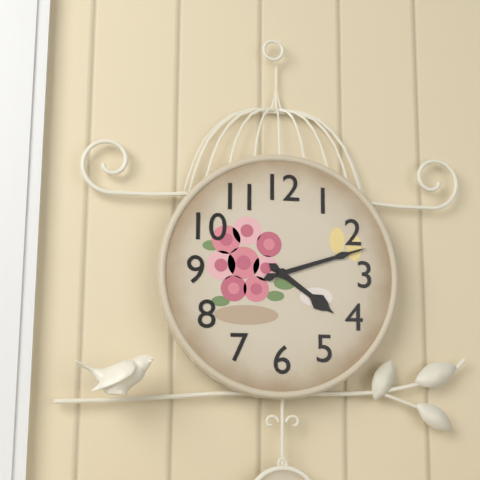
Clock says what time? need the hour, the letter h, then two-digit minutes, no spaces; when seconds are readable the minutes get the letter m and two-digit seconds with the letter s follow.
4h12
